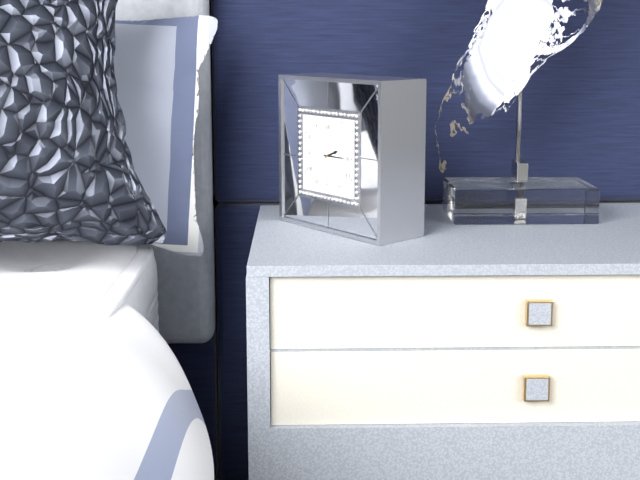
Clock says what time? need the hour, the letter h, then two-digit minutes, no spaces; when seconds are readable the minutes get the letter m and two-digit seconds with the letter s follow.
2h15
